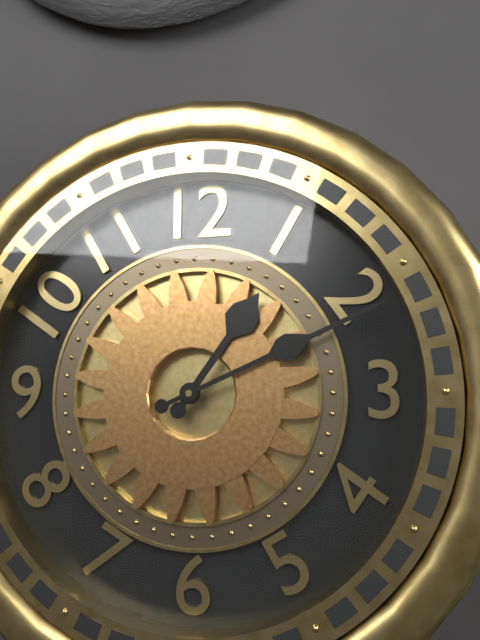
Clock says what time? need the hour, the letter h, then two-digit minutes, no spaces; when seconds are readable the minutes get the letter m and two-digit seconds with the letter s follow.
1h11
